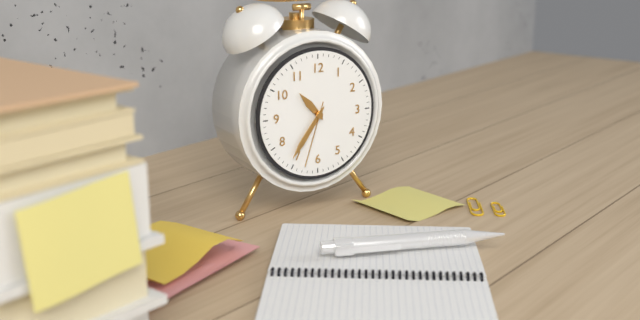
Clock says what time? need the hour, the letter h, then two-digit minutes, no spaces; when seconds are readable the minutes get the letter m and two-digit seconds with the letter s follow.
10h36m33s
